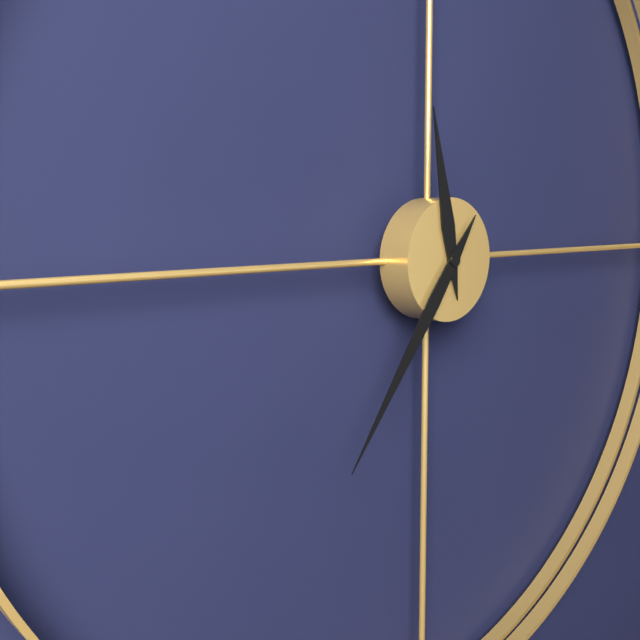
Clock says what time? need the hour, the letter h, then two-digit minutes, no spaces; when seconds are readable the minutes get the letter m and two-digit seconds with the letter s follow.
11h36
